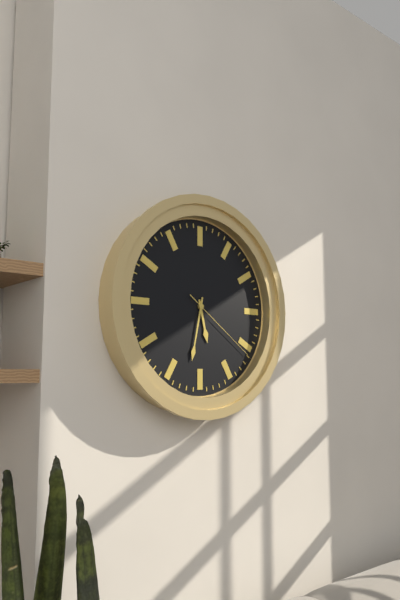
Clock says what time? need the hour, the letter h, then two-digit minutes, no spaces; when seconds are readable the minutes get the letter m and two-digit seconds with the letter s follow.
5h32m21s
